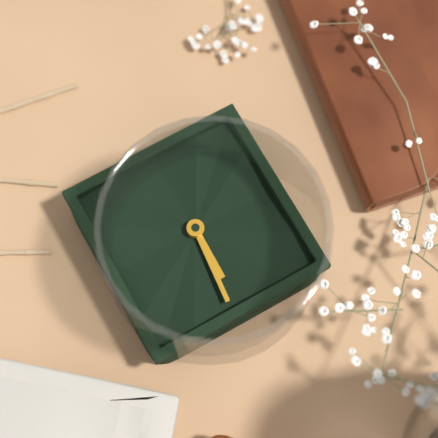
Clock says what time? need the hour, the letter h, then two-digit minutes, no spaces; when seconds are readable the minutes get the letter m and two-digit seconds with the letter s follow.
12h01
